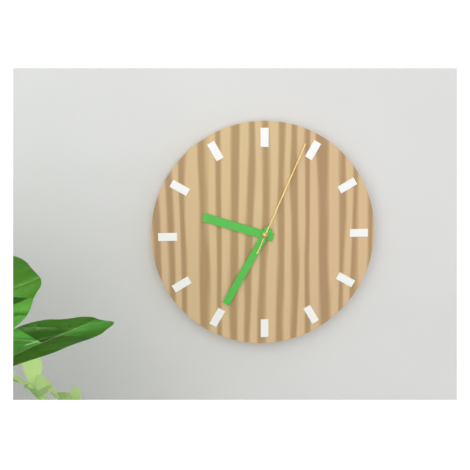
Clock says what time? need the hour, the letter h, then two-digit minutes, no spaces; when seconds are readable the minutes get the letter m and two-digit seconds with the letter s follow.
9h35m04s
